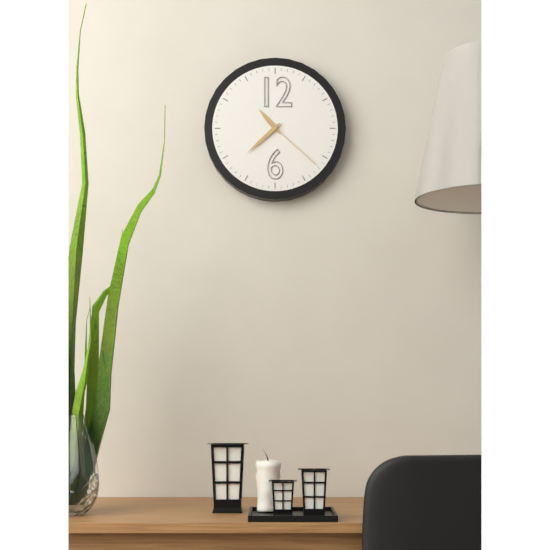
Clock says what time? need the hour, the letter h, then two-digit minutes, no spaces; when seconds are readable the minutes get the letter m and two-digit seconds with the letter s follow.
10h38m22s
